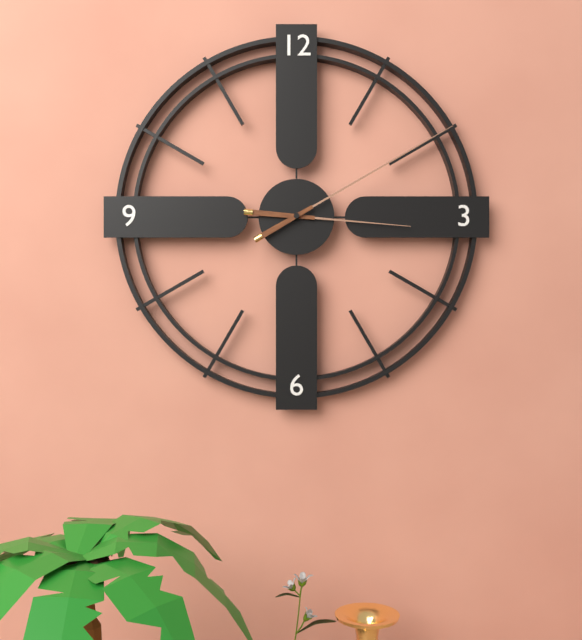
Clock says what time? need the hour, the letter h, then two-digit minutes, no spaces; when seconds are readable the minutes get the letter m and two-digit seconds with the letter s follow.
3h10
